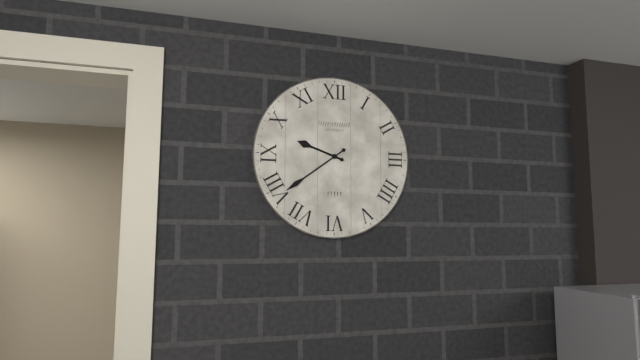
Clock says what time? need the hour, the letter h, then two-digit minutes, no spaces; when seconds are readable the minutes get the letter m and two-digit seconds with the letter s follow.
9h39
